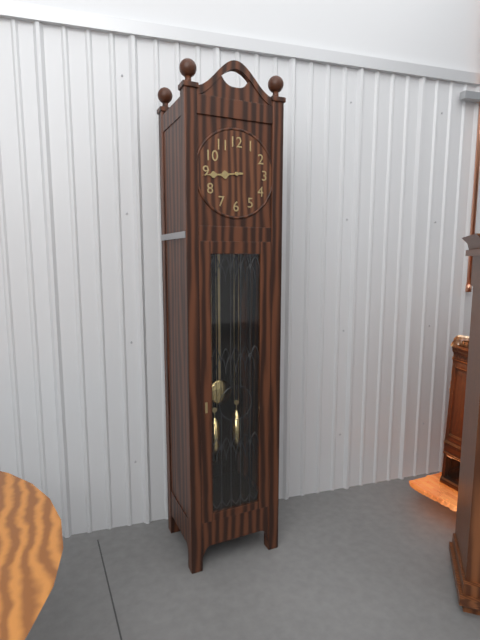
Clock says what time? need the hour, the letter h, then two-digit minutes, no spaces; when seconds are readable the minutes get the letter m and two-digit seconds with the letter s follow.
8h44
